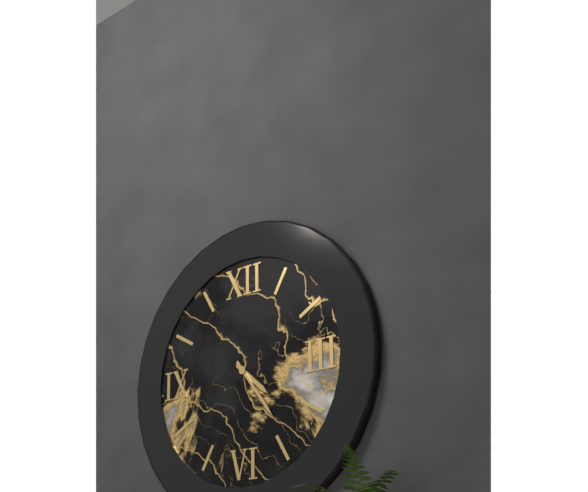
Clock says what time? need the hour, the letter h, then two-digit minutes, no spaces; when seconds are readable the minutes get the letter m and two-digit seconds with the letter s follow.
4h24
